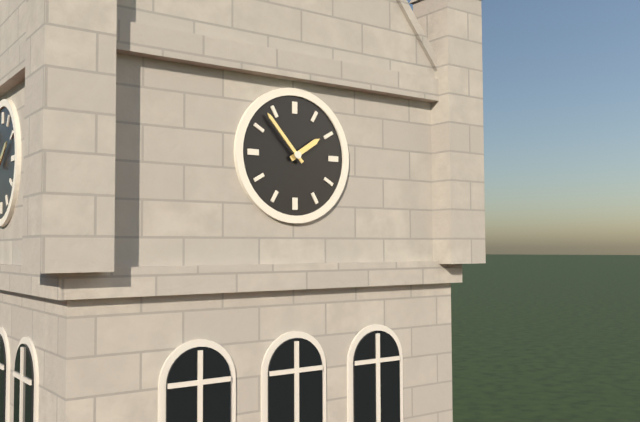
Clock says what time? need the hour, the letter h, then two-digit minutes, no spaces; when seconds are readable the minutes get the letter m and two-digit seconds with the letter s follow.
1h53
